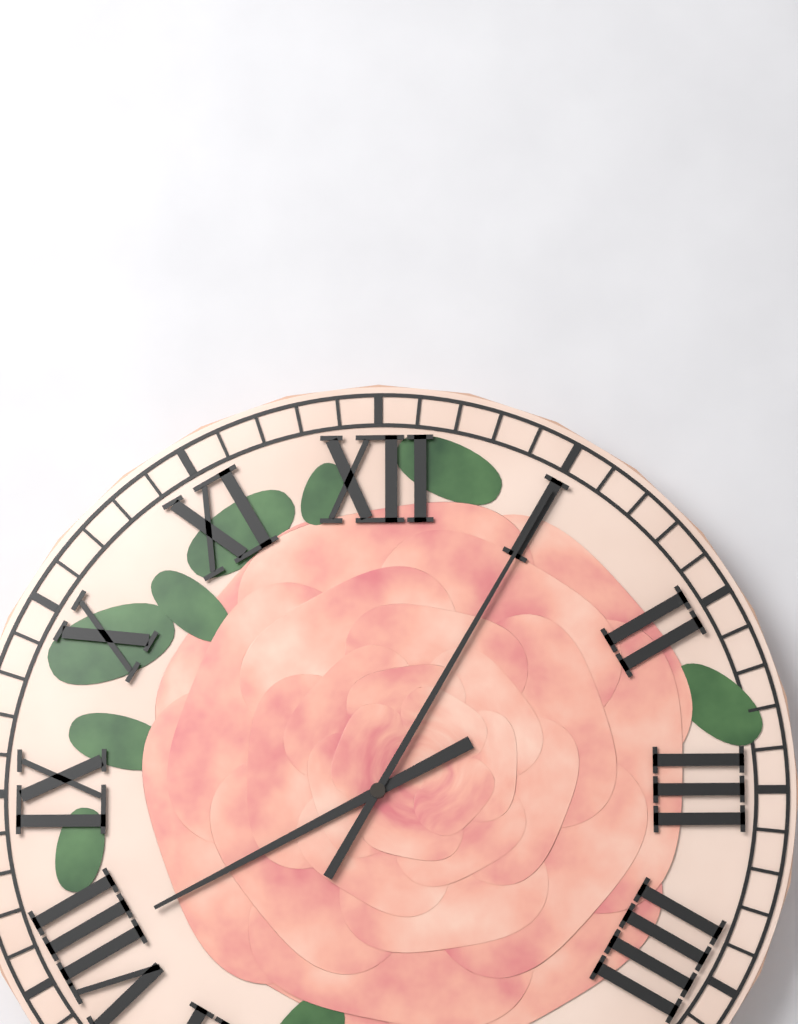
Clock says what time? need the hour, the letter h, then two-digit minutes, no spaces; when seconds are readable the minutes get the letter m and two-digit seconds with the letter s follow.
8h05
